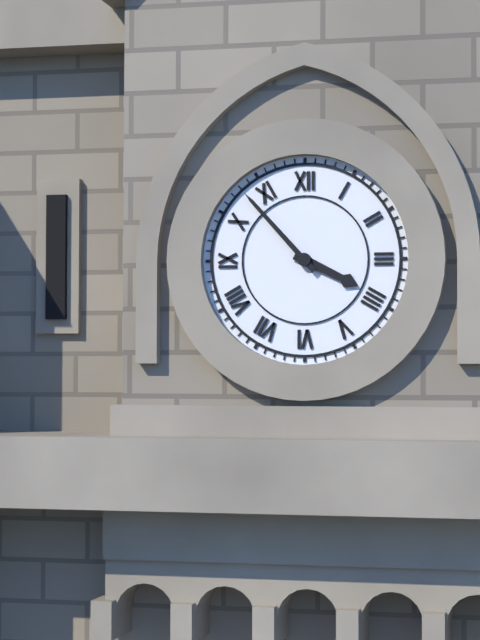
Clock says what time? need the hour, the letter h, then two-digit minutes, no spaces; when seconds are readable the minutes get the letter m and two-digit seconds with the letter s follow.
3h53
